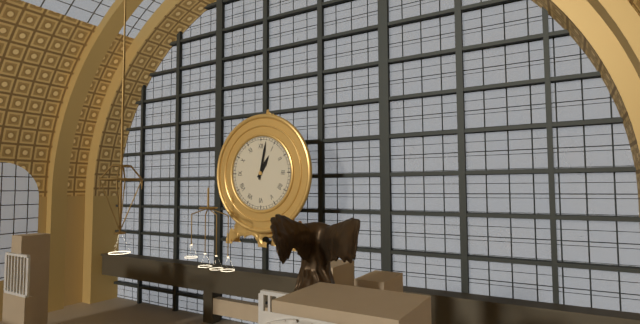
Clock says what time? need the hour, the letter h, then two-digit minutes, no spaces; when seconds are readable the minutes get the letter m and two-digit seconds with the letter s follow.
1h02
